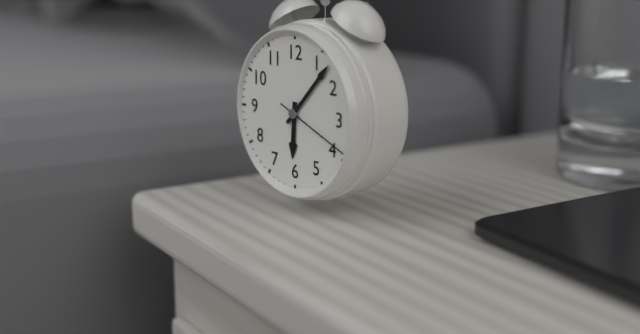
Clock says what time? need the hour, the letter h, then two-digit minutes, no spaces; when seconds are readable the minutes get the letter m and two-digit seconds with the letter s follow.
6h07m19s
